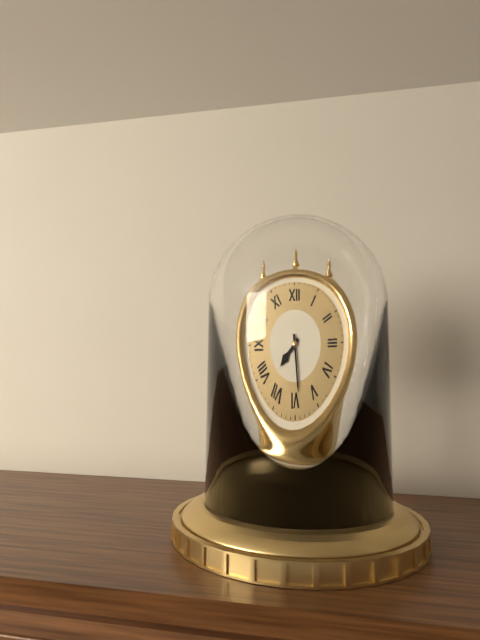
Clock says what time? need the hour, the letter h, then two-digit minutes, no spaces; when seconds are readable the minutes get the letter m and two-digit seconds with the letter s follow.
7h29
